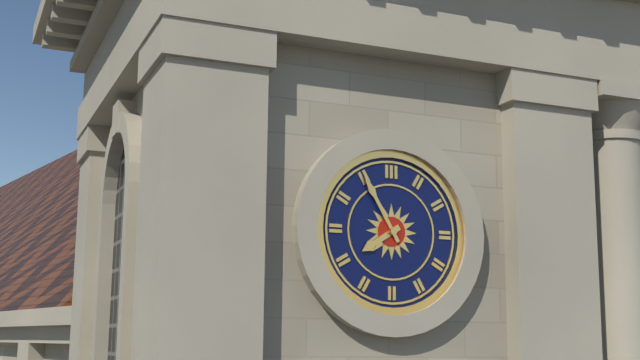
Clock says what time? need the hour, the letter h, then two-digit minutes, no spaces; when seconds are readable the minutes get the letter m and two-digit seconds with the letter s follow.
7h55
